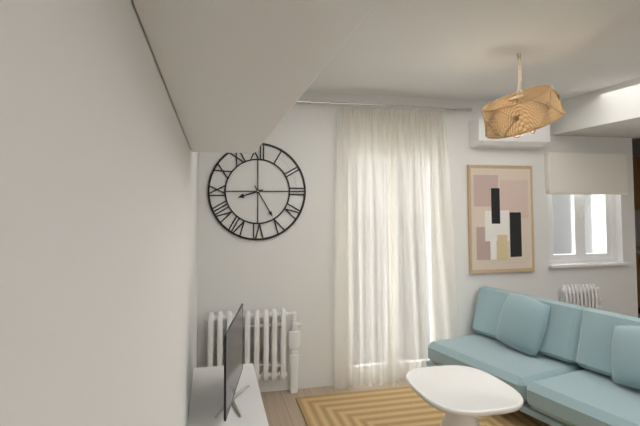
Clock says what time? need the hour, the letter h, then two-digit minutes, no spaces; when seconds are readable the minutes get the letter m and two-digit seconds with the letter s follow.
8h25
